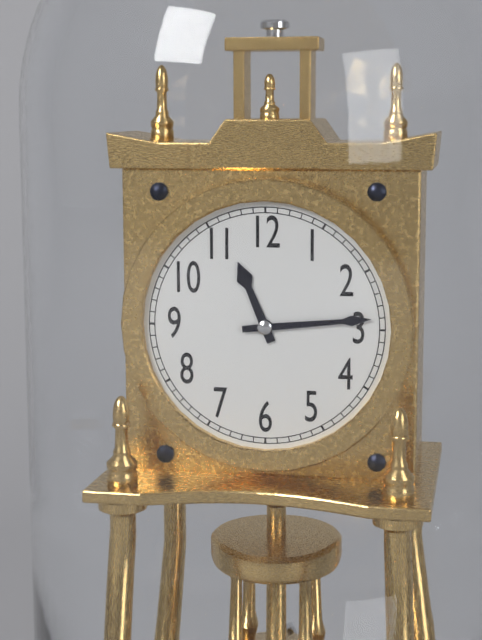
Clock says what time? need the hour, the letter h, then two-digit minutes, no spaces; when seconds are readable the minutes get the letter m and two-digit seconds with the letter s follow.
11h14
